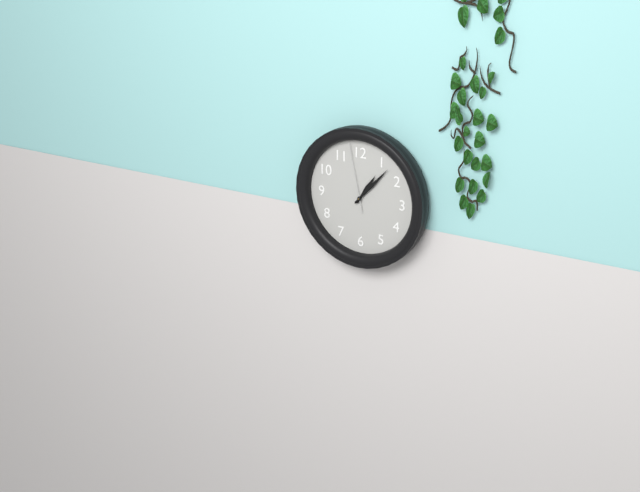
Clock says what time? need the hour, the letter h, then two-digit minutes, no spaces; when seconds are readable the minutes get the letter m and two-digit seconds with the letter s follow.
1h07m58s
